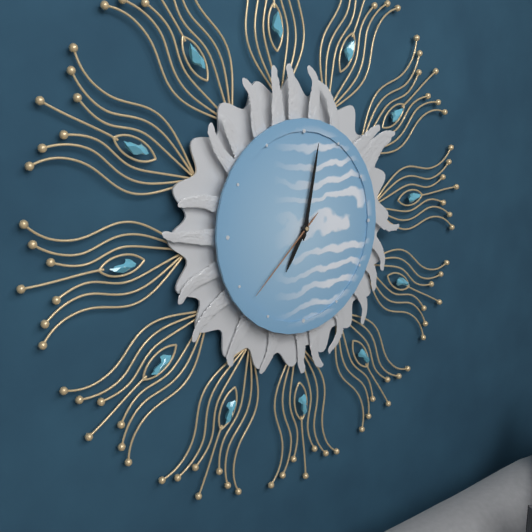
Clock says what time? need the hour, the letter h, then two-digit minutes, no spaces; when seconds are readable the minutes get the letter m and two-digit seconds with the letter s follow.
7h02m38s
